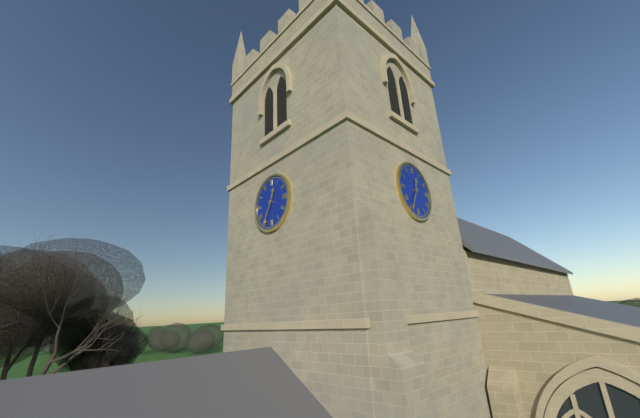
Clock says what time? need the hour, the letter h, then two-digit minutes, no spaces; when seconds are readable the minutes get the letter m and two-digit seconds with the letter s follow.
12h35
